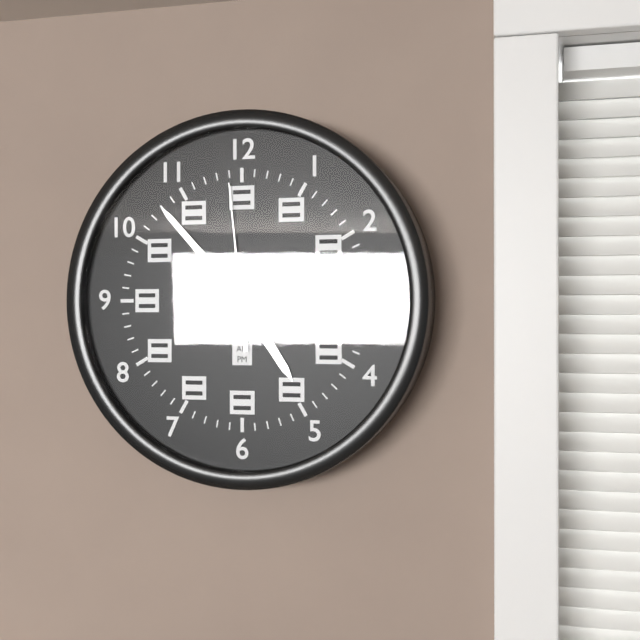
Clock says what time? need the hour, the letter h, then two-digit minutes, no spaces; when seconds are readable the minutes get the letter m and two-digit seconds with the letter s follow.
4h53m59s
